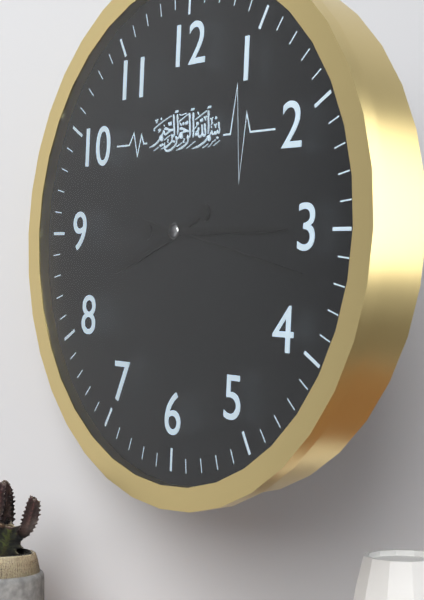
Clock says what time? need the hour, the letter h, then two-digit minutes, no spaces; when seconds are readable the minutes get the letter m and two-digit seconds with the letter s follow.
8h15m17s
